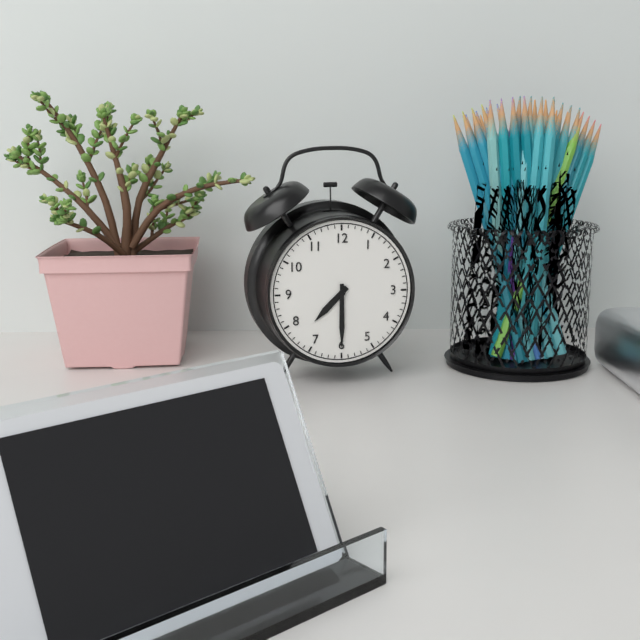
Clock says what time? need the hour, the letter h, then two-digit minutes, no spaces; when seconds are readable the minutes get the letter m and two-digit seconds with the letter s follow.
7h30
